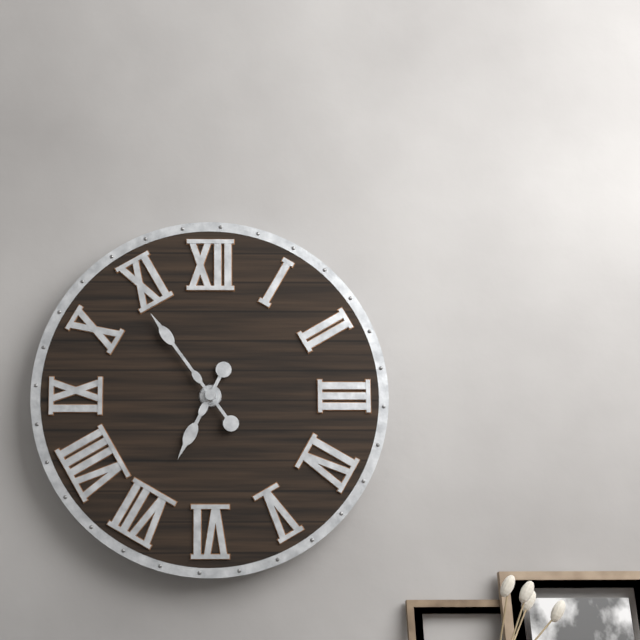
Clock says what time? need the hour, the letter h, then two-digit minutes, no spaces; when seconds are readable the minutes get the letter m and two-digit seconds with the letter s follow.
6h54
